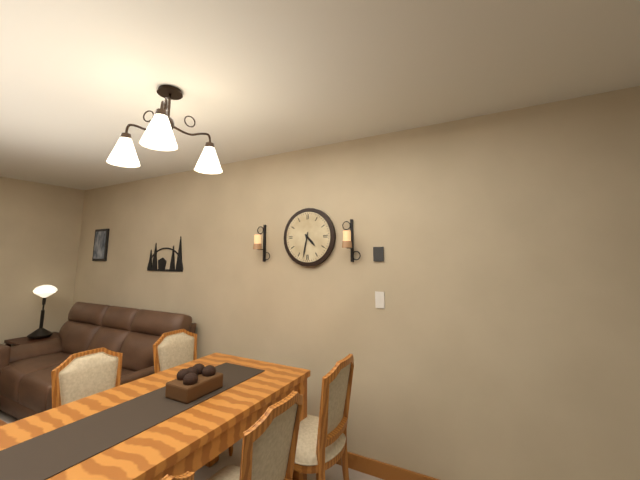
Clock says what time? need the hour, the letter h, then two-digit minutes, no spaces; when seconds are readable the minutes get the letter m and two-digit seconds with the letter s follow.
4h32
